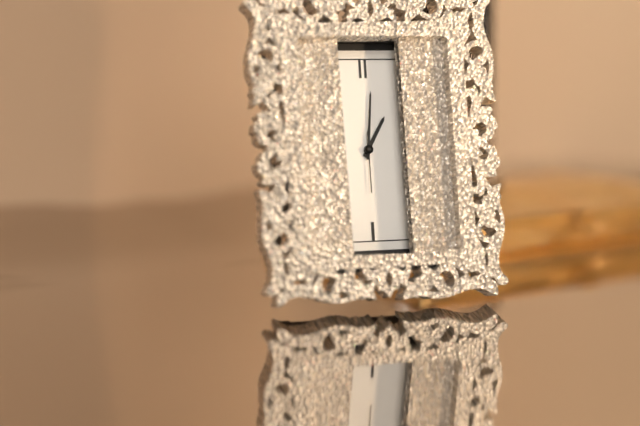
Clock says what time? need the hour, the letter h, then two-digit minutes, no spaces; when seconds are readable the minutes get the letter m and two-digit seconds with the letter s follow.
1h01m30s
